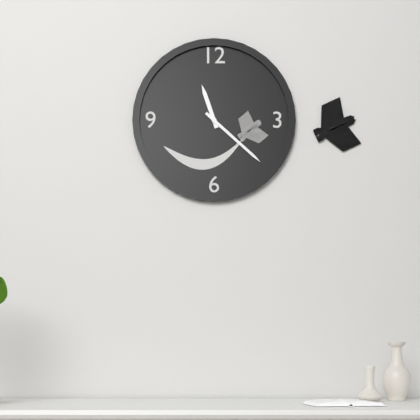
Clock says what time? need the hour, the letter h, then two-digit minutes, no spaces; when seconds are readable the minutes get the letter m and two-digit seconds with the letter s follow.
11h22
